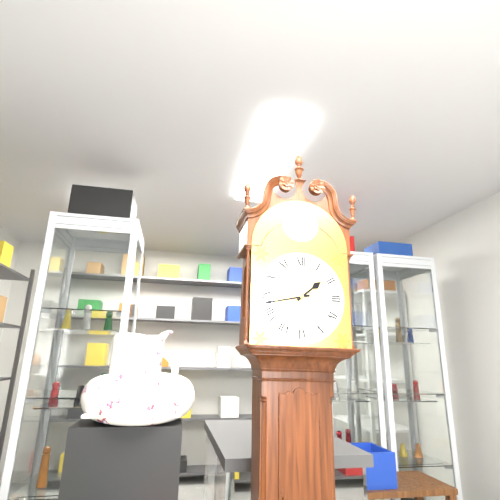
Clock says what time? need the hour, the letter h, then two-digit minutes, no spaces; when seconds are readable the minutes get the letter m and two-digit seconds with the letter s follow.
1h43
